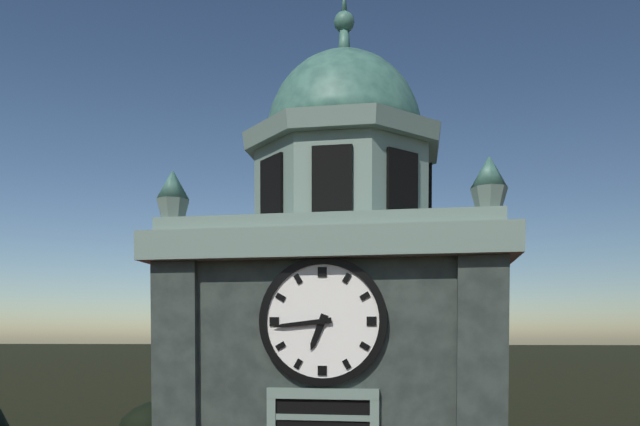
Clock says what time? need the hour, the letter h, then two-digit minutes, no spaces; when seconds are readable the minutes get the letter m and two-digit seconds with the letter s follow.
6h44
